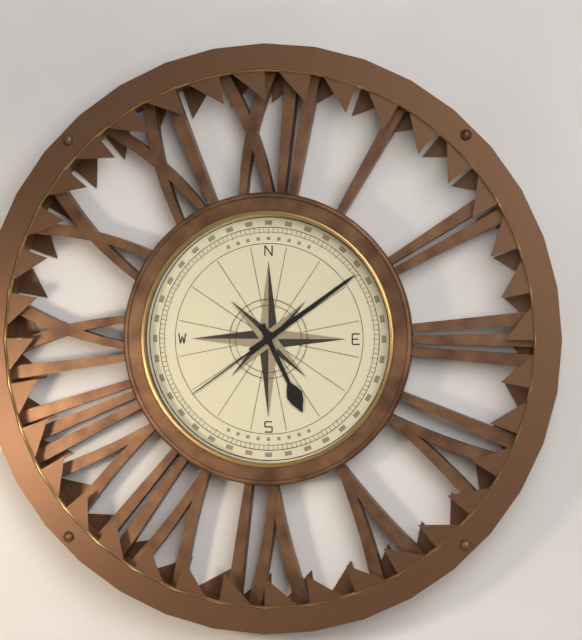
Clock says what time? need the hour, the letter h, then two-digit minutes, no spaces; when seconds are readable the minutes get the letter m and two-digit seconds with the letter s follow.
5h09m39s
